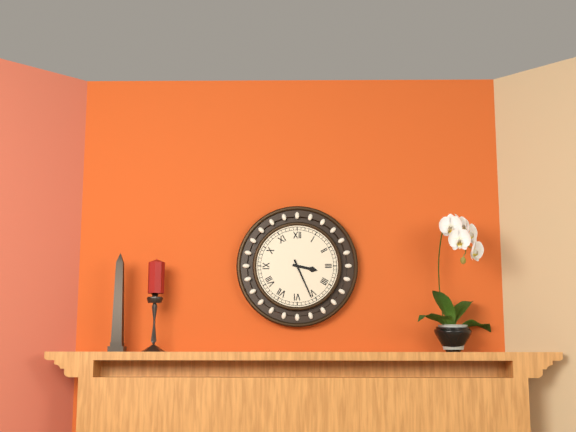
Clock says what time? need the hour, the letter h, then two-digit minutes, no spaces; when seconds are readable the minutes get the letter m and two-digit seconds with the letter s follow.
3h26
